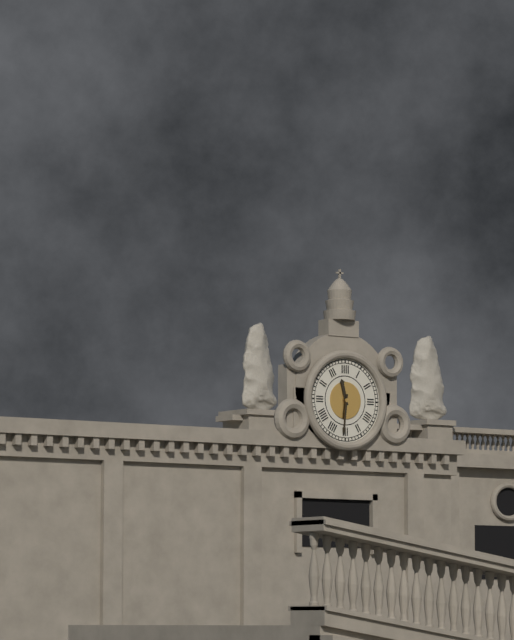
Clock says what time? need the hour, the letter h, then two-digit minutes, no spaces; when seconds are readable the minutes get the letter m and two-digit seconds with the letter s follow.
11h31
